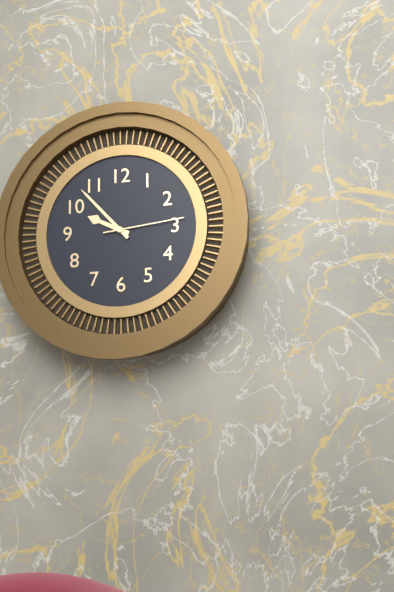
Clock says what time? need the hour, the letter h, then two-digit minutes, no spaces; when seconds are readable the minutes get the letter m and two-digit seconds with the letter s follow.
9h53m14s
